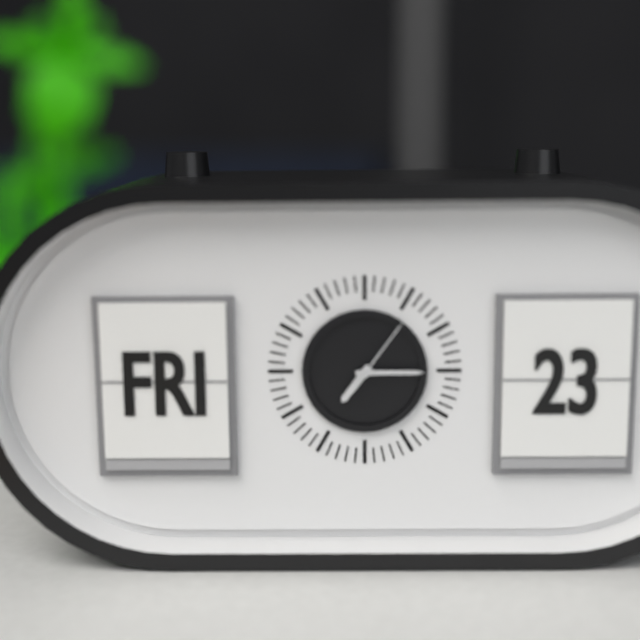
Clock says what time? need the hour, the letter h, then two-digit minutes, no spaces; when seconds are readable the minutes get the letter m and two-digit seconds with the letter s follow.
7h15m06s
